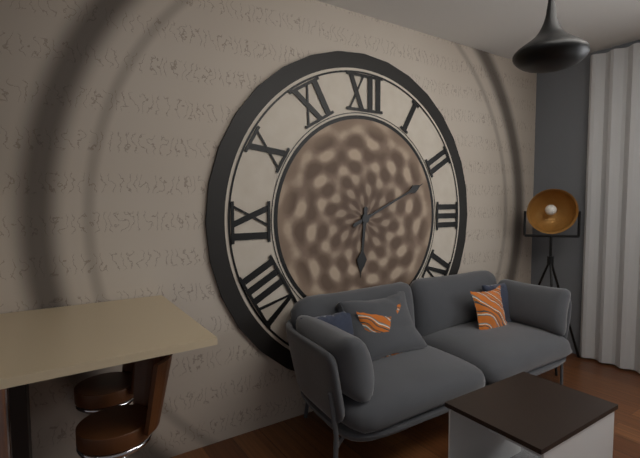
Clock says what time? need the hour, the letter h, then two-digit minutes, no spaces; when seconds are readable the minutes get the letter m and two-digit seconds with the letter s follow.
6h11
